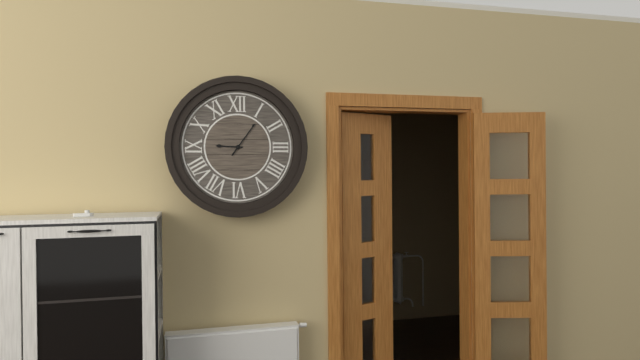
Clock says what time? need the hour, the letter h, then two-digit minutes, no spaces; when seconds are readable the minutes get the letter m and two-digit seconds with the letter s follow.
9h06
